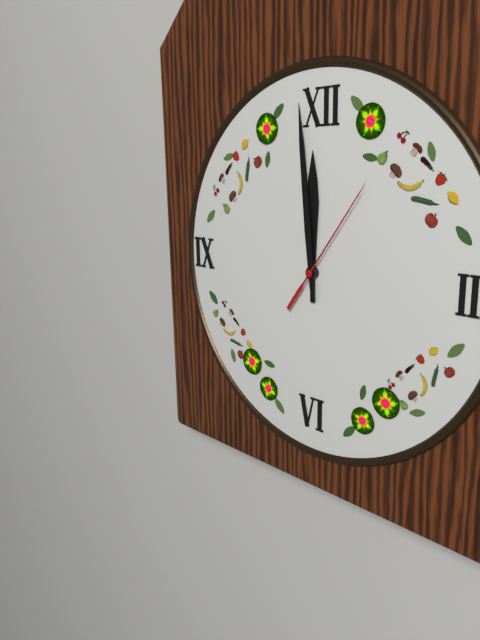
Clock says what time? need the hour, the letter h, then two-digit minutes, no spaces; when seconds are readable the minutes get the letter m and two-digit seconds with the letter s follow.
11h59m06s
